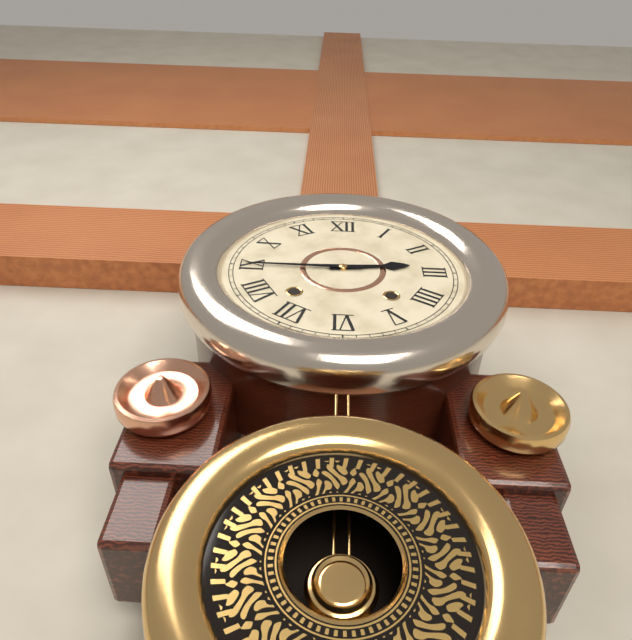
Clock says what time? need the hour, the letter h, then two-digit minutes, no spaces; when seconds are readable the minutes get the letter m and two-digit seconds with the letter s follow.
2h45
